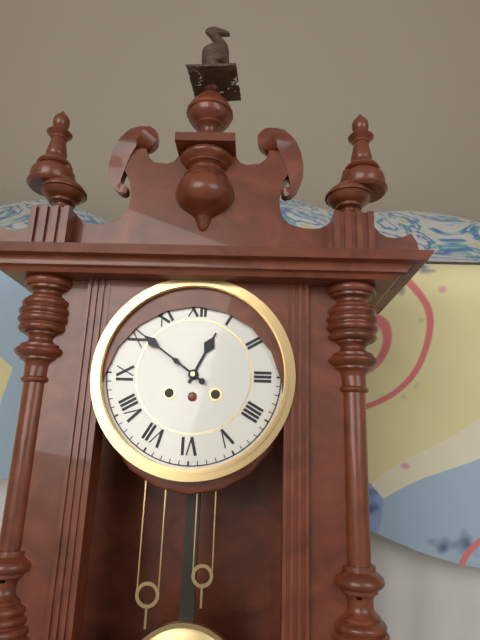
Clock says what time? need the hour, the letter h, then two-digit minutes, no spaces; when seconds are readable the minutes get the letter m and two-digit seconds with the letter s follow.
12h51
